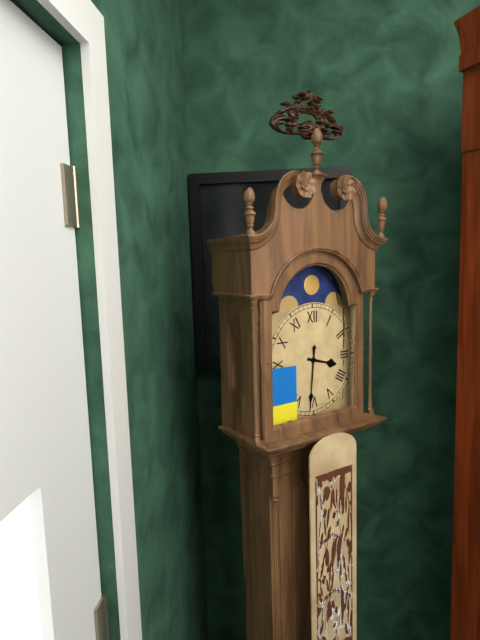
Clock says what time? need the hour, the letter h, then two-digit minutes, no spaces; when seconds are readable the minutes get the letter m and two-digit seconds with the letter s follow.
3h31
